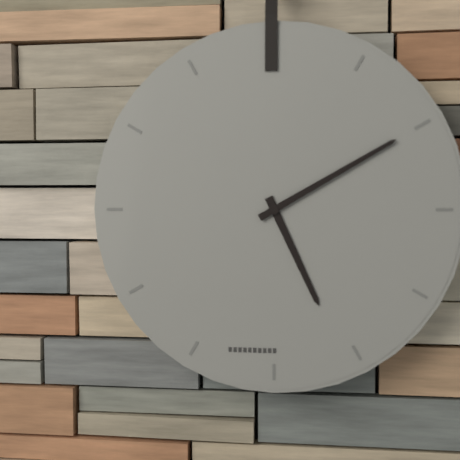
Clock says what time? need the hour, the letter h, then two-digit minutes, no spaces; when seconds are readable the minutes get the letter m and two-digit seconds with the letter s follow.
5h10
